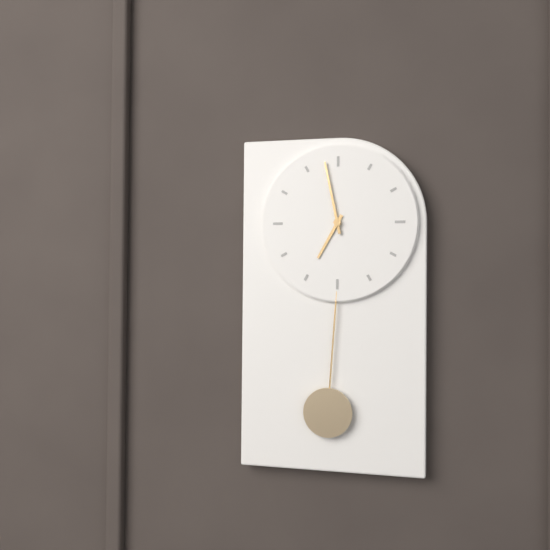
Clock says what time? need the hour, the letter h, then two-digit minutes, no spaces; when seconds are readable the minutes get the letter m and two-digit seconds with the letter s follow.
6h58
